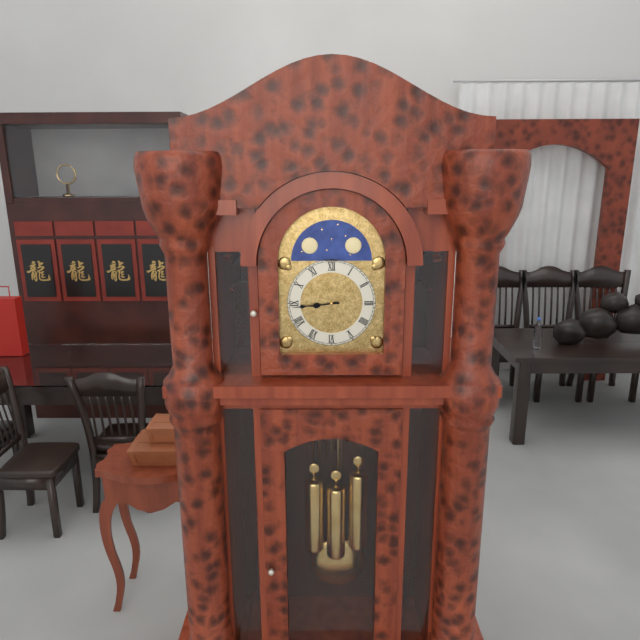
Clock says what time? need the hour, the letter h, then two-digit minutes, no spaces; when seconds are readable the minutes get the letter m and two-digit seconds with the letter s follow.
8h44
